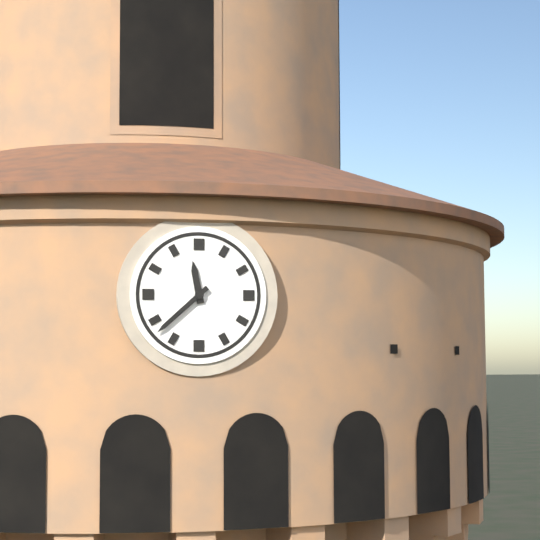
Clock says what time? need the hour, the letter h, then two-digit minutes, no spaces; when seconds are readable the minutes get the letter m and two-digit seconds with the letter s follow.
11h38
